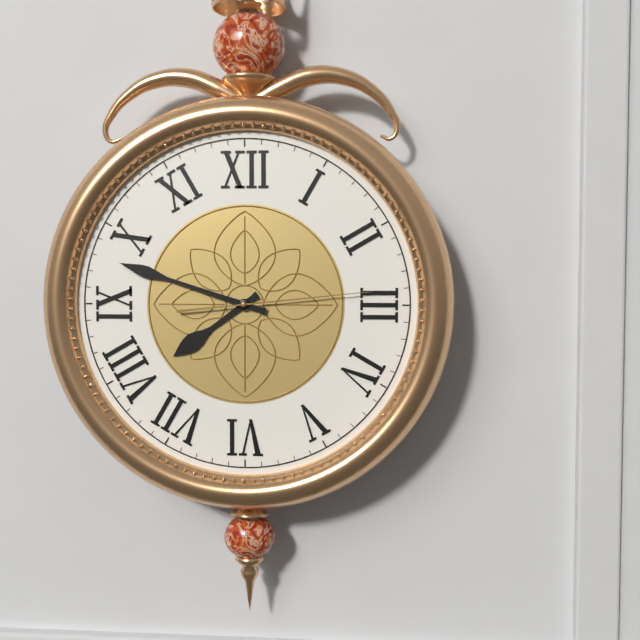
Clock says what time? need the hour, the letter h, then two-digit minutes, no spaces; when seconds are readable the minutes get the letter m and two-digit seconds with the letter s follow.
7h48m14s
